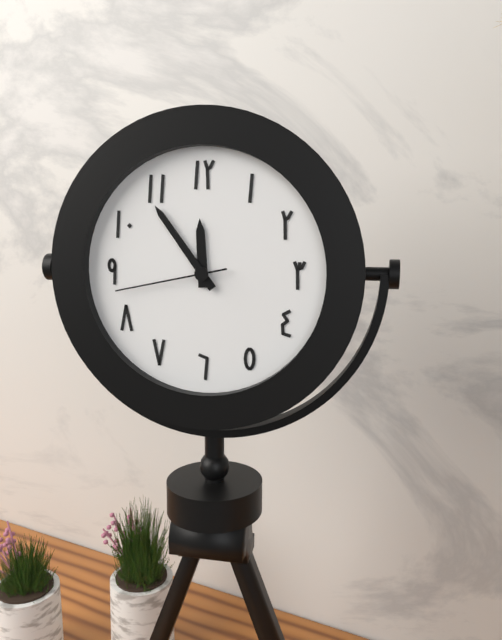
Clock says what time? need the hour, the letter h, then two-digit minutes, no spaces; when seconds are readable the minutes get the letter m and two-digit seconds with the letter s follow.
11h54m43s
